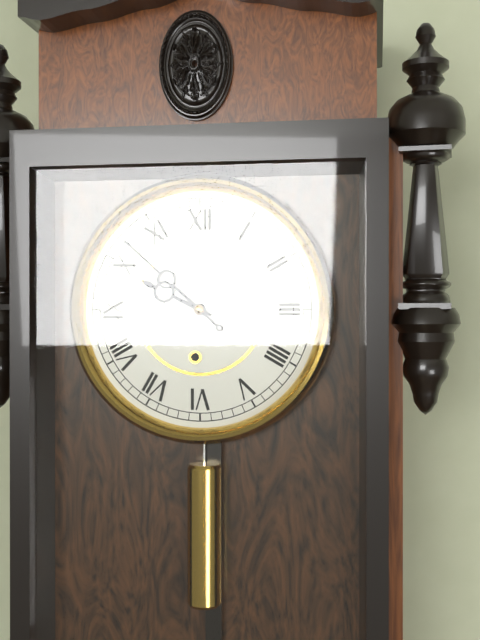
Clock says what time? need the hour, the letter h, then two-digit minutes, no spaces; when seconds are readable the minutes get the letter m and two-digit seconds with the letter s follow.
9h52
